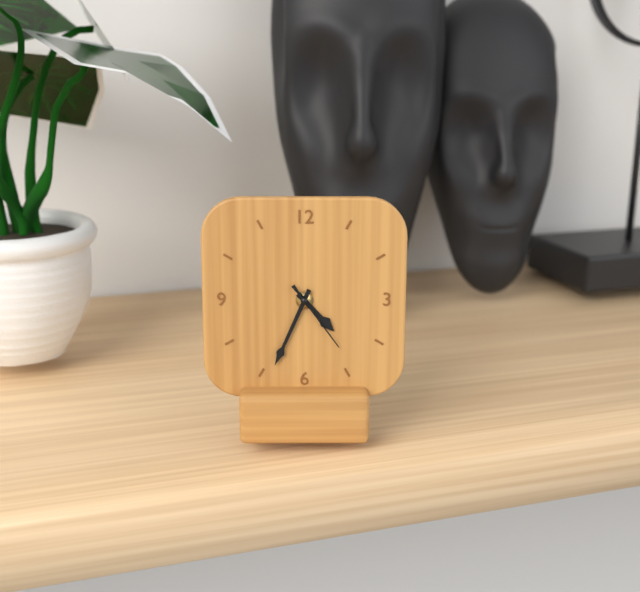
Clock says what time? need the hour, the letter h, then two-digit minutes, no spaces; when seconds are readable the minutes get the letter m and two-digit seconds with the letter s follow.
4h34m24s
